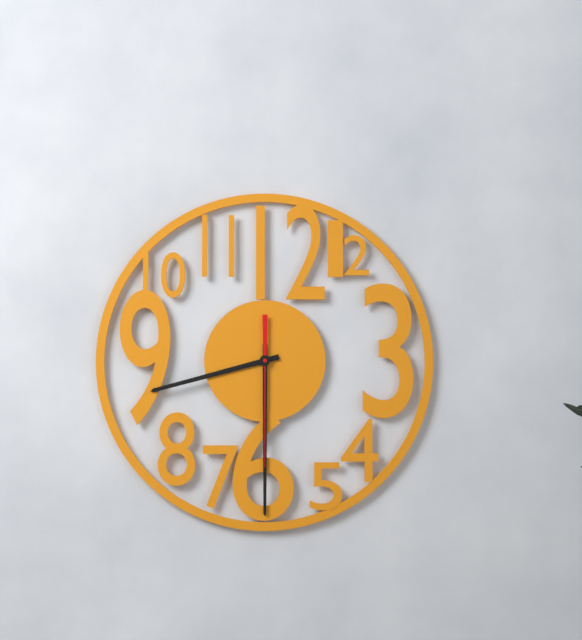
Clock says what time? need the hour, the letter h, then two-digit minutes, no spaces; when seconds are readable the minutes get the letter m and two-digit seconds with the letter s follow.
8h30m30s
